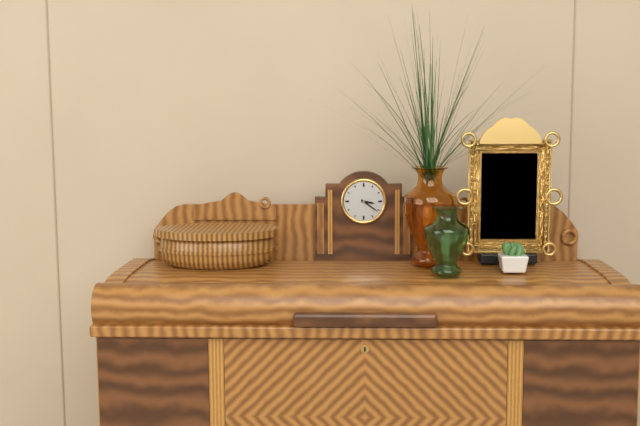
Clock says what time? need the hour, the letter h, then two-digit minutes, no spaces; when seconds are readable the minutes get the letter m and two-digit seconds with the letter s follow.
3h21
